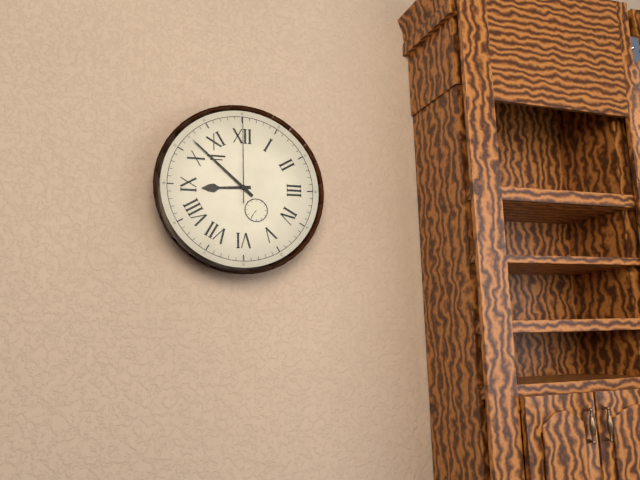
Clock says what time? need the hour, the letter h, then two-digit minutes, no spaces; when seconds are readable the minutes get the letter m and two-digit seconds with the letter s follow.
8h52m00s
